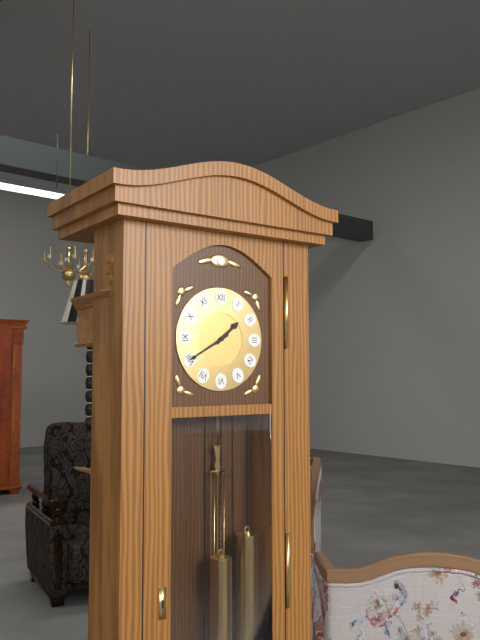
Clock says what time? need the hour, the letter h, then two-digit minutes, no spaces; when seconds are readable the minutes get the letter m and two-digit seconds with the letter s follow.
1h40
